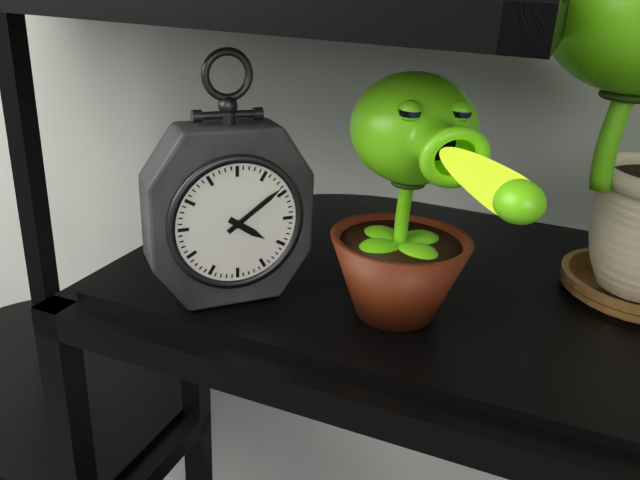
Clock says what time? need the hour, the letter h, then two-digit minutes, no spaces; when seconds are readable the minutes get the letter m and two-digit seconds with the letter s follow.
4h09
